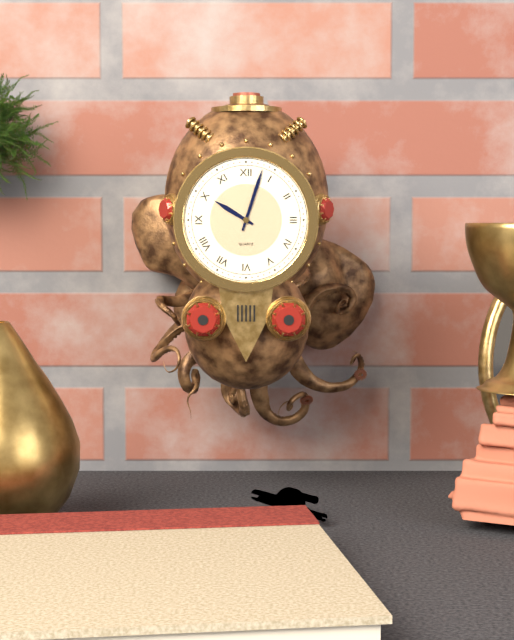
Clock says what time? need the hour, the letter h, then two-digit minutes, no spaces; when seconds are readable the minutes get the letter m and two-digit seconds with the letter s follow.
10h03
